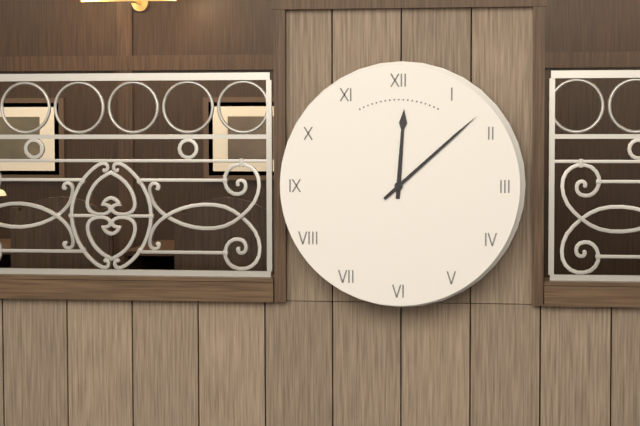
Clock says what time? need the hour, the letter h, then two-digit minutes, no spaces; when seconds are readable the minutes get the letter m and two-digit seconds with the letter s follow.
12h08
